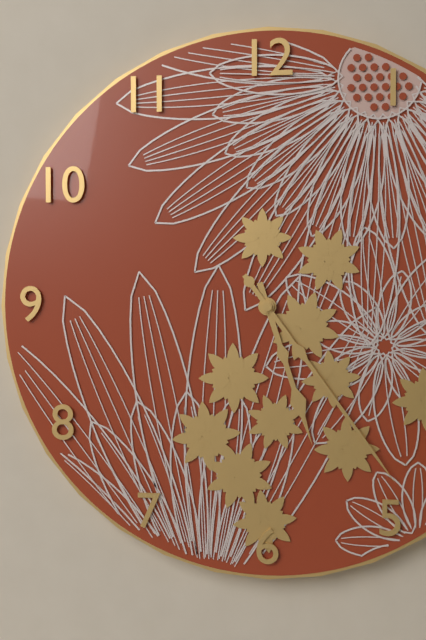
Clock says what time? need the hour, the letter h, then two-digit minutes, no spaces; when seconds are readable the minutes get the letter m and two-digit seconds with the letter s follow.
5h24
